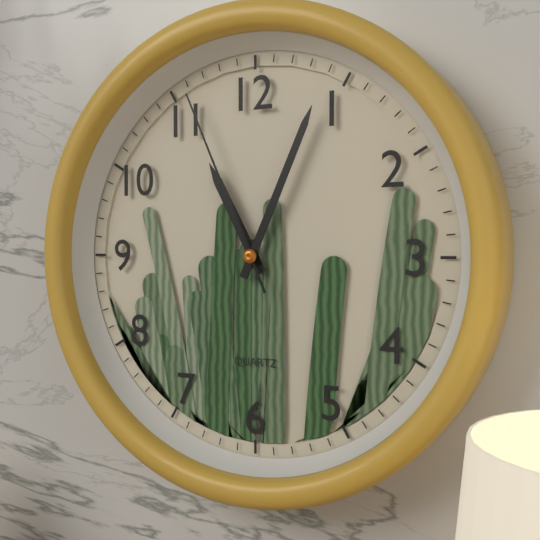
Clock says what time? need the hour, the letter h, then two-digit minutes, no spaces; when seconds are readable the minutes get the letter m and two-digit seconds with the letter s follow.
11h04m56s
